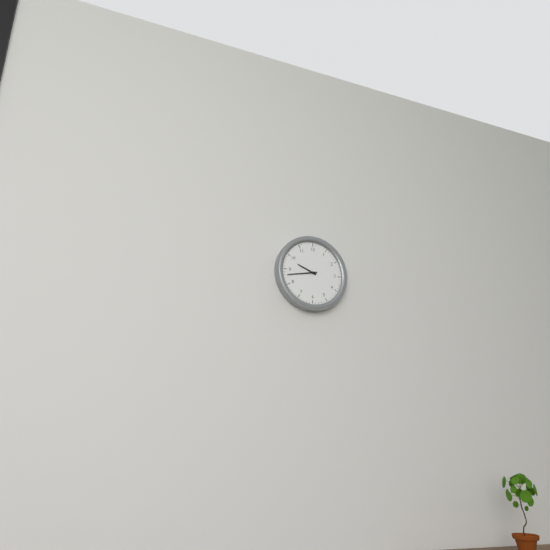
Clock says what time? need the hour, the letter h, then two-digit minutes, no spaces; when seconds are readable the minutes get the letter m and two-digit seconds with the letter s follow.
9h43
